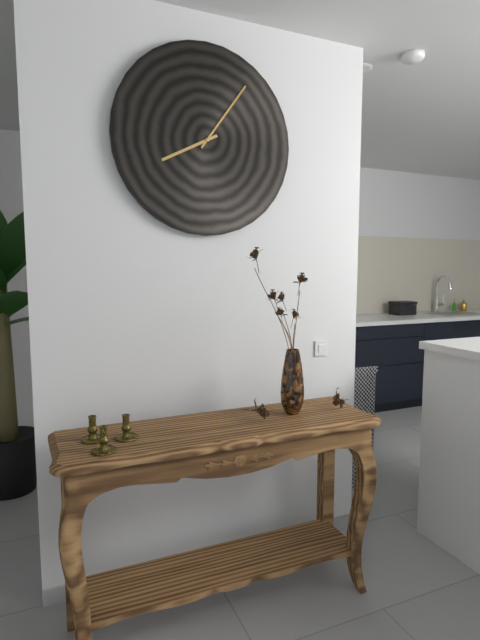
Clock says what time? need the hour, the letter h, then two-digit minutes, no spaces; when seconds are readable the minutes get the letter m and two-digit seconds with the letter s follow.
8h06
